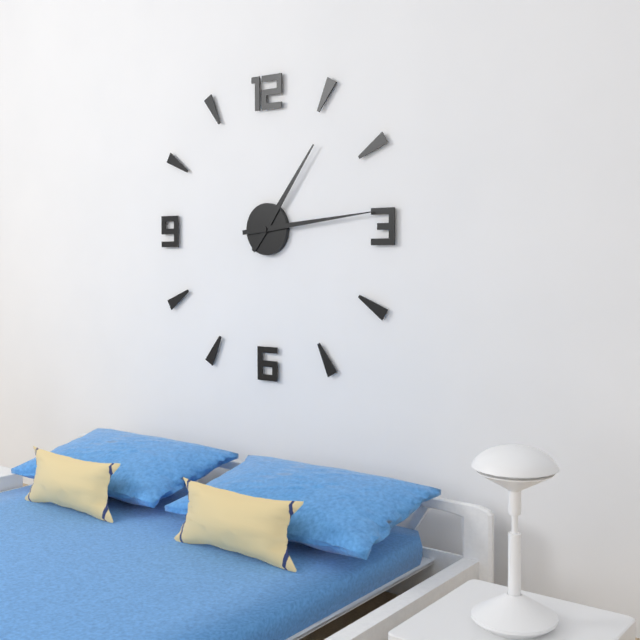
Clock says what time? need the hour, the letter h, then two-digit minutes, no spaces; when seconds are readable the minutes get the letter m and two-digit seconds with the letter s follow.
1h14
